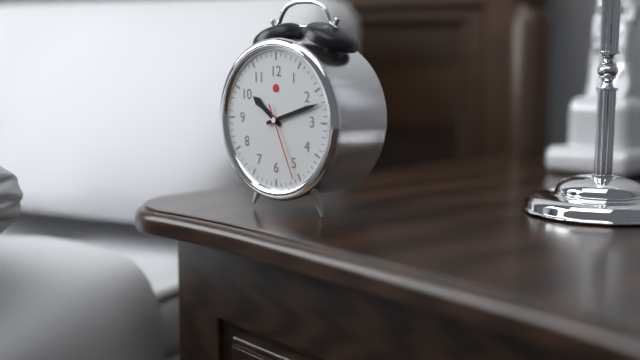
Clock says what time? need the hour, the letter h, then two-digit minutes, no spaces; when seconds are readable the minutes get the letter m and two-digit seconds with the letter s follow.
10h12m26s
